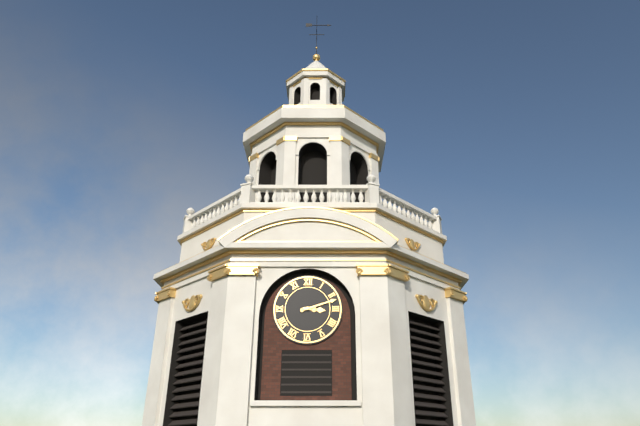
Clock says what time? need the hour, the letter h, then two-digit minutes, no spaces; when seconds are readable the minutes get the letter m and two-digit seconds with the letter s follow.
3h12
